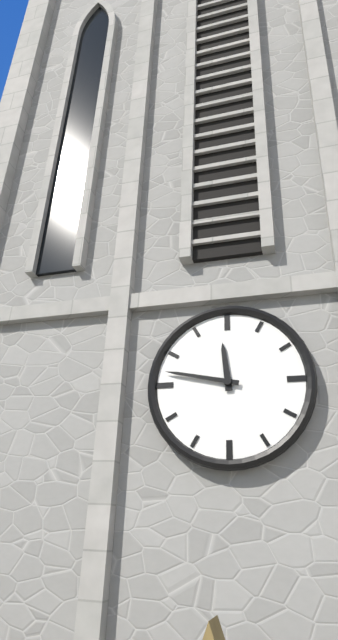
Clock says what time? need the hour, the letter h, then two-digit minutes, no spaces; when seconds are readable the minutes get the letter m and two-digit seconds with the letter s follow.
11h47
